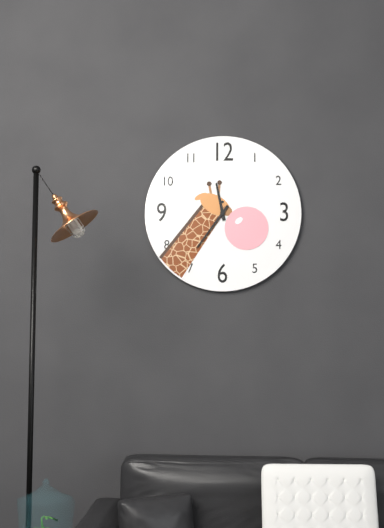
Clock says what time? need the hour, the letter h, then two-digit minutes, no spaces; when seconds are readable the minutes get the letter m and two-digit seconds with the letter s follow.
11h36
